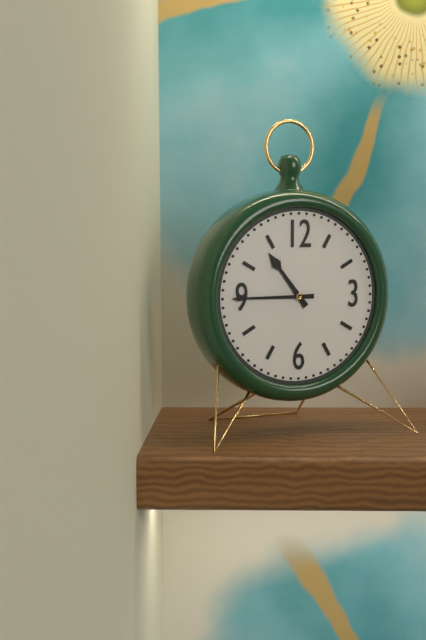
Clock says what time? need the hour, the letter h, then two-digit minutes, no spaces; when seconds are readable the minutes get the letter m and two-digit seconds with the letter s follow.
10h45
